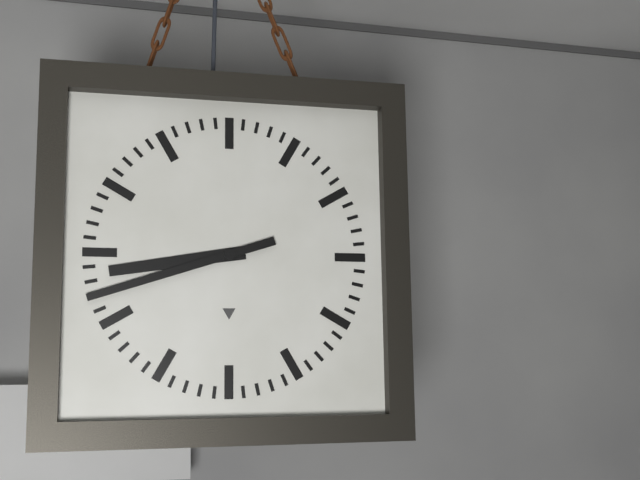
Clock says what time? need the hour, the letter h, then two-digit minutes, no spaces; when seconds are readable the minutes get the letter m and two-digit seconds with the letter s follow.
8h42
